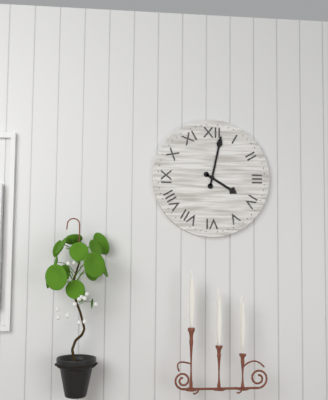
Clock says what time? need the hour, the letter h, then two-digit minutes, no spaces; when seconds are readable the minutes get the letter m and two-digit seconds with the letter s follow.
4h02
